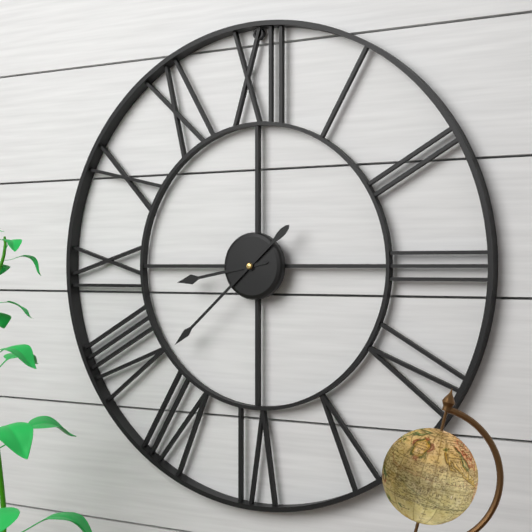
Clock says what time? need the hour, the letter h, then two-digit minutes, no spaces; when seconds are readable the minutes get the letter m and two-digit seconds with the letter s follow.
8h38
